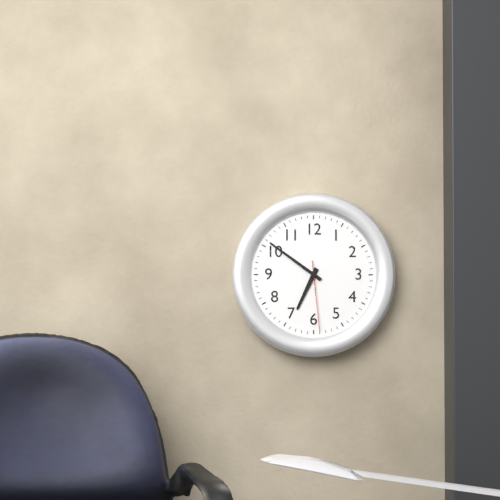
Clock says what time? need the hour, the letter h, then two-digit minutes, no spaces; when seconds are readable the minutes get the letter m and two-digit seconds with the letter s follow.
6h51m29s
